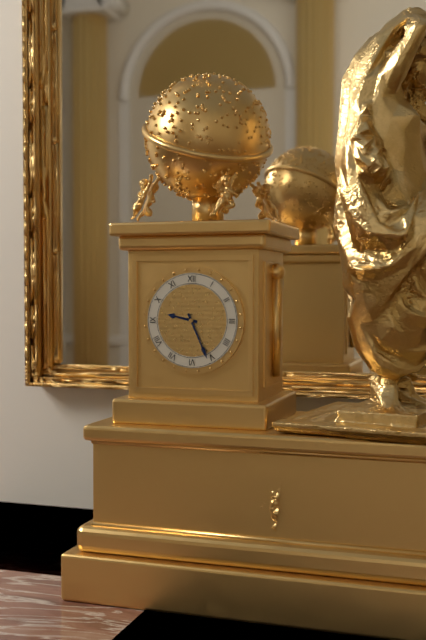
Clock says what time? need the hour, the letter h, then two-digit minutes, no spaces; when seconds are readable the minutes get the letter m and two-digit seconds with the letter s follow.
9h26
